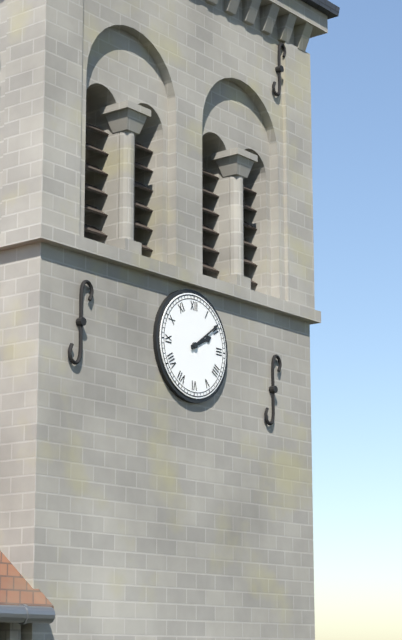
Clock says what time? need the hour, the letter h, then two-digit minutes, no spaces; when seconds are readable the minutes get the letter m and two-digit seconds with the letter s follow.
2h09
